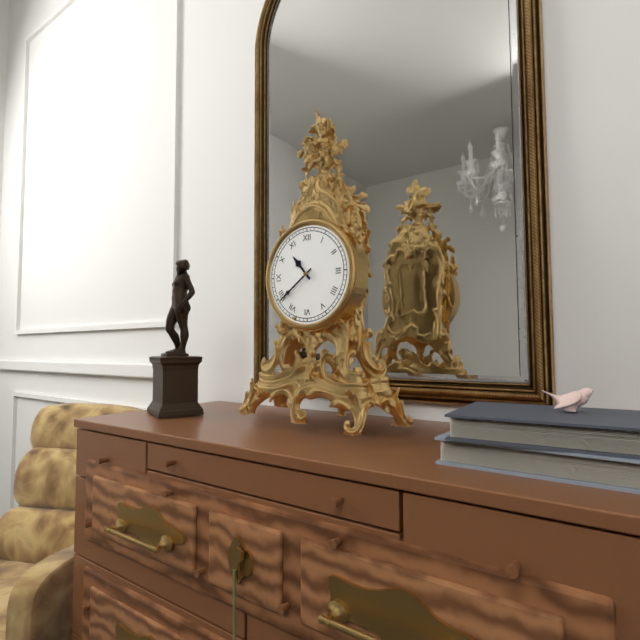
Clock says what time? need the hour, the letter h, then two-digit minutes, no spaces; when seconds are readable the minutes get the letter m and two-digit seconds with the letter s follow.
10h39
